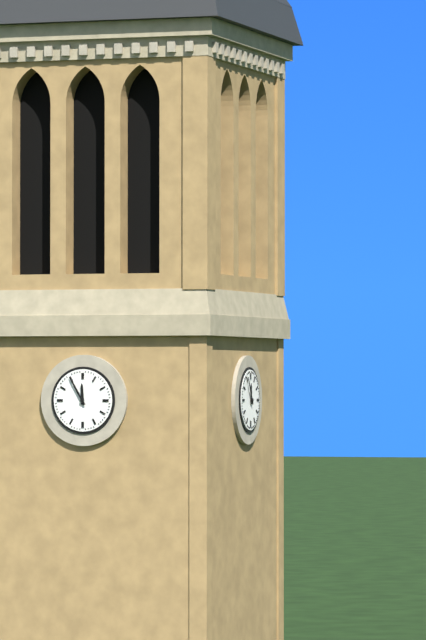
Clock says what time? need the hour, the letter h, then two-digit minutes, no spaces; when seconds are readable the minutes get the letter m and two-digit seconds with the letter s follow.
11h55
